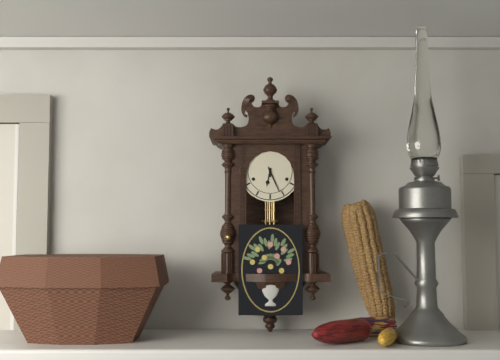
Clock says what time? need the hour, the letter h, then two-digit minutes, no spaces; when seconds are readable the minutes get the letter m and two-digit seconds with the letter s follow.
6h26
